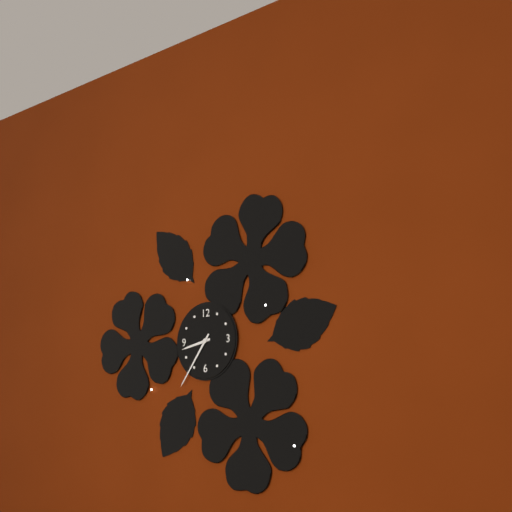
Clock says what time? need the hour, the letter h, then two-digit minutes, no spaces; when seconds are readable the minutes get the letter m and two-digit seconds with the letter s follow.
8h36
